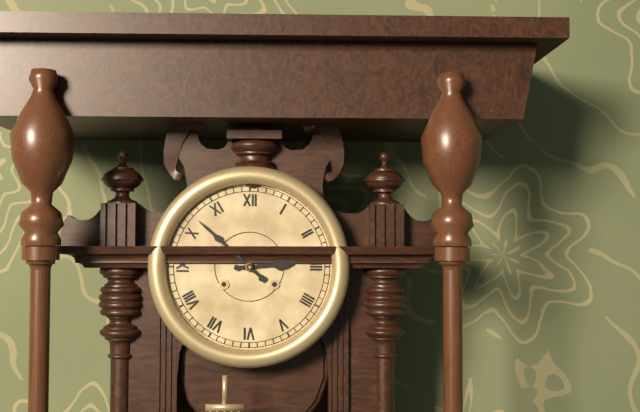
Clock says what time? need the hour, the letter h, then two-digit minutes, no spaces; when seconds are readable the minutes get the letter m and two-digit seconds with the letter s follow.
2h52
